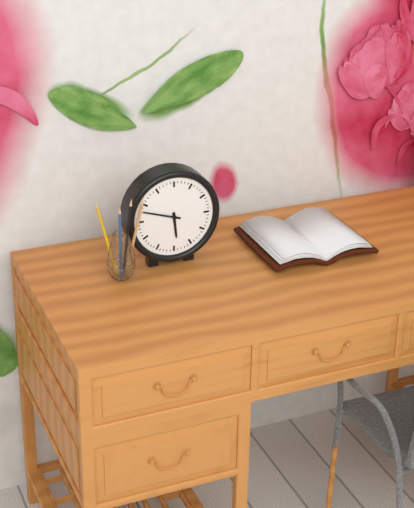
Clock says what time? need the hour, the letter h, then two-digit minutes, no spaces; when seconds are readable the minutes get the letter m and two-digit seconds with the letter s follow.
5h48
